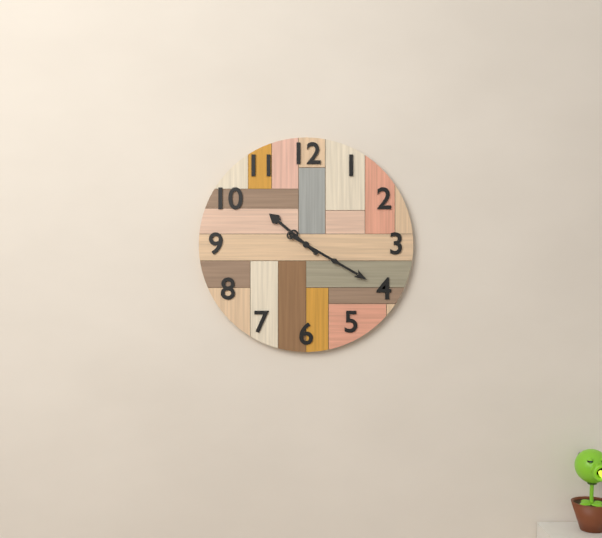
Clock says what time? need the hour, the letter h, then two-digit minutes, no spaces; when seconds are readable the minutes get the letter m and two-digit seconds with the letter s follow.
10h20
